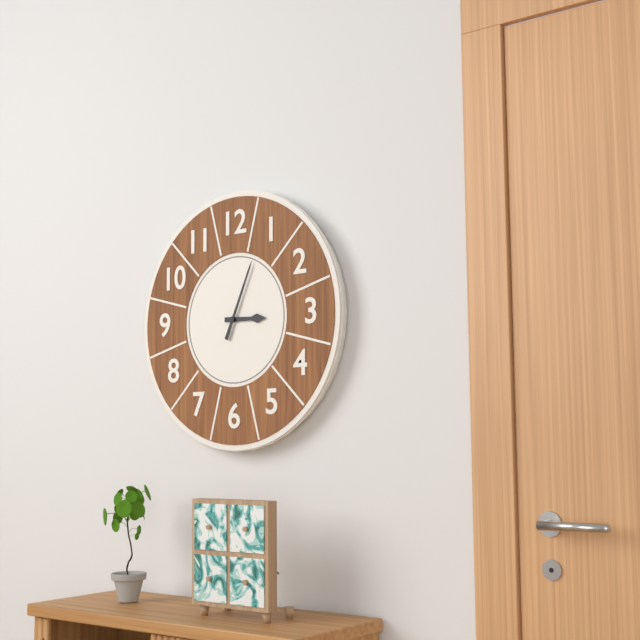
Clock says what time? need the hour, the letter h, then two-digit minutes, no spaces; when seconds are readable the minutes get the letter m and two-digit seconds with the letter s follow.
3h04
